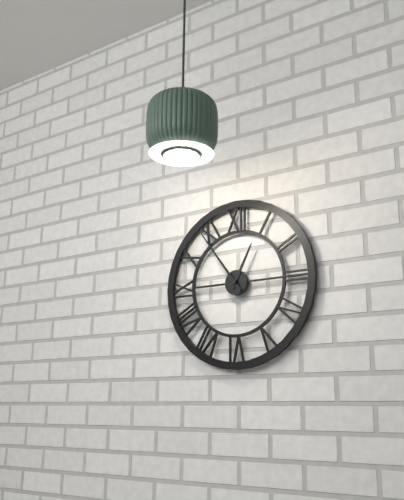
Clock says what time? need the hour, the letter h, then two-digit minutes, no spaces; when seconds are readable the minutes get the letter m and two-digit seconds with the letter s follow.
12h54
